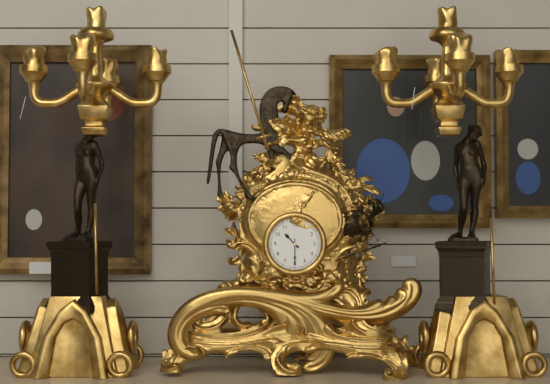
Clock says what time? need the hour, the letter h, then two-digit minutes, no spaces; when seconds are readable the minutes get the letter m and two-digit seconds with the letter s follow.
10h30
